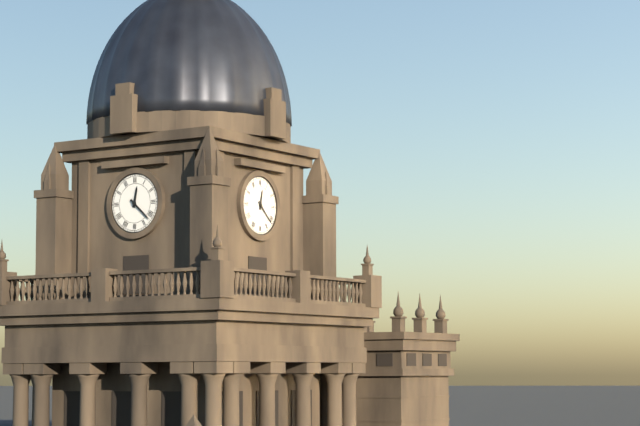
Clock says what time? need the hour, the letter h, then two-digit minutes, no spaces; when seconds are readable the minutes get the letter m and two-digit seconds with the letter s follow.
12h22
